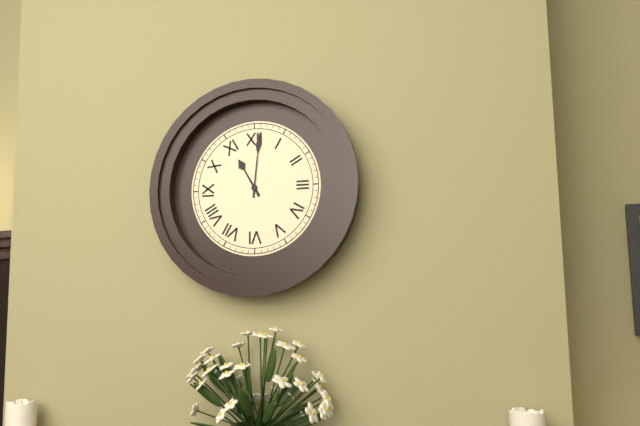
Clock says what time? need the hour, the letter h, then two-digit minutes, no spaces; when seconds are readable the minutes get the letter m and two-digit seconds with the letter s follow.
11h01
